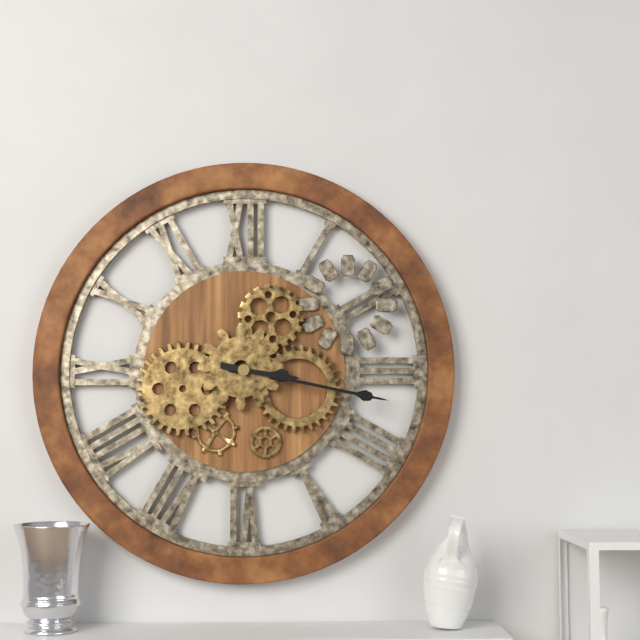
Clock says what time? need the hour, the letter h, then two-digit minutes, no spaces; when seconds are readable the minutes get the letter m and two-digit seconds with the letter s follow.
3h17
